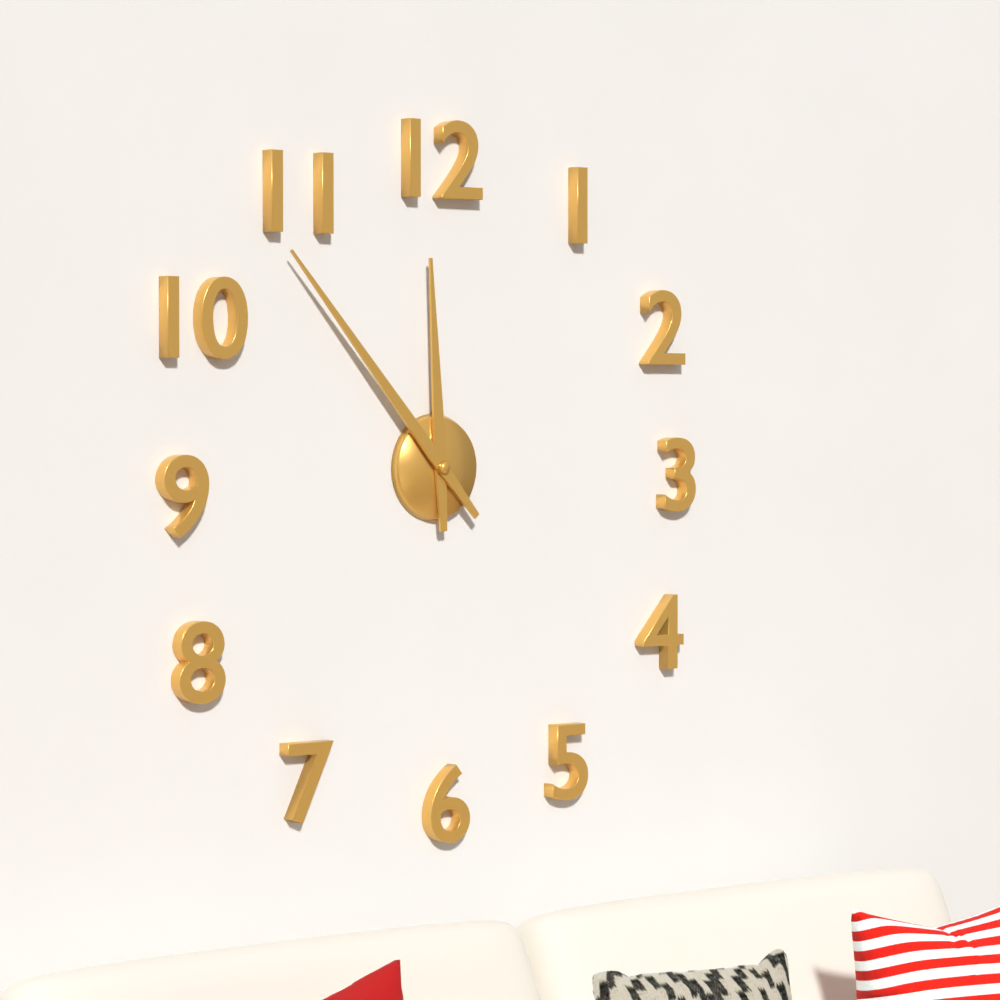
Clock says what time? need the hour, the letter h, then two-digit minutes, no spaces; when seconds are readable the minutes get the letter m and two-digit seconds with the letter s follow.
11h53
